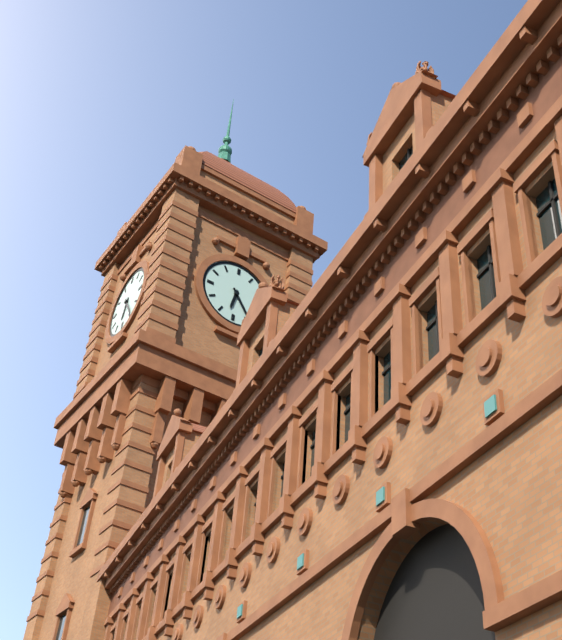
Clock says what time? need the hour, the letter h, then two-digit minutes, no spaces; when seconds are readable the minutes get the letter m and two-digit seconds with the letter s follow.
6h24
